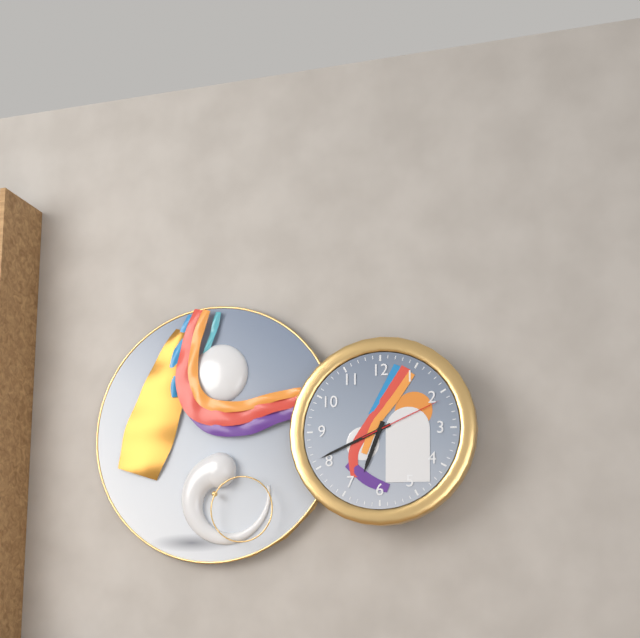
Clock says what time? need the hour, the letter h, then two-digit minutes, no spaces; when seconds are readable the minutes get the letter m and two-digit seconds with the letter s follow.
6h41m11s
